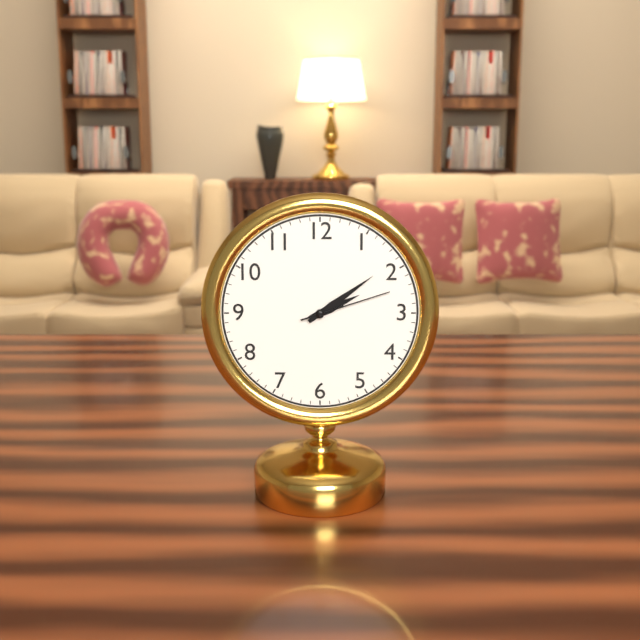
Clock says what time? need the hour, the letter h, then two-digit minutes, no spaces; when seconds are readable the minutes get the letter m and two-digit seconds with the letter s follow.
2h09m12s
